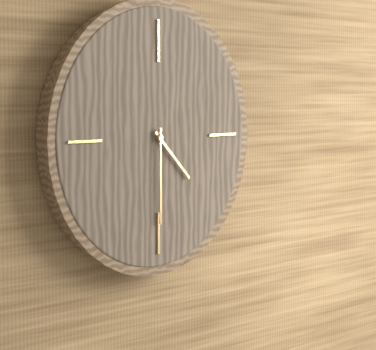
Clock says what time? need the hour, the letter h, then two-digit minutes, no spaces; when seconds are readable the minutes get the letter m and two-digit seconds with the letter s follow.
4h30
